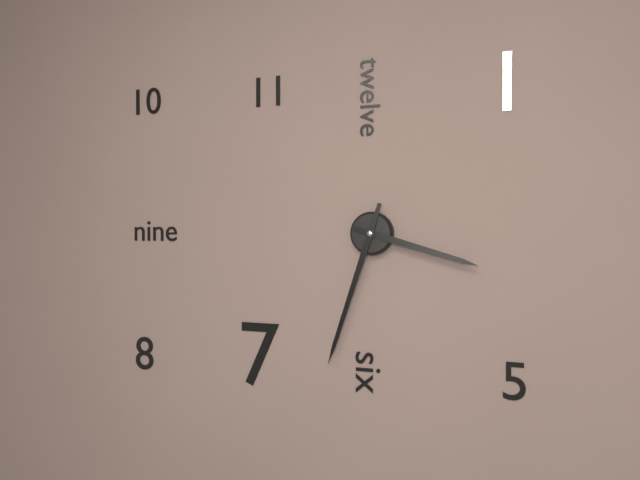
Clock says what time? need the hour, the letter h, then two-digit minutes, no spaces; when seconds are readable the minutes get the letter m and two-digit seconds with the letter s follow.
3h33
